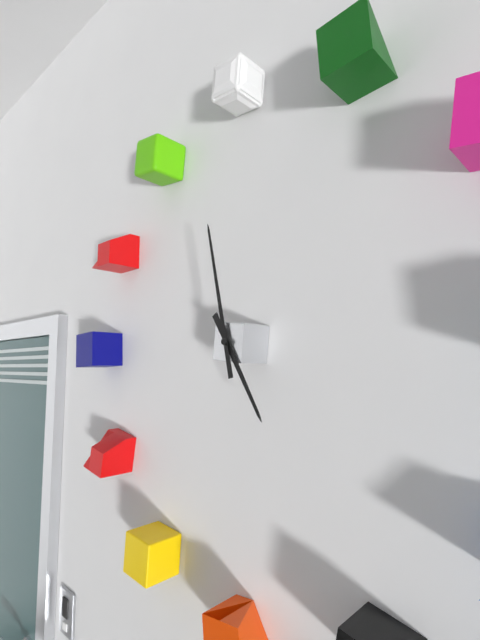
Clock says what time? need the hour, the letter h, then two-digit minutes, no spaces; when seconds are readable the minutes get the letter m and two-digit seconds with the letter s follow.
4h58
